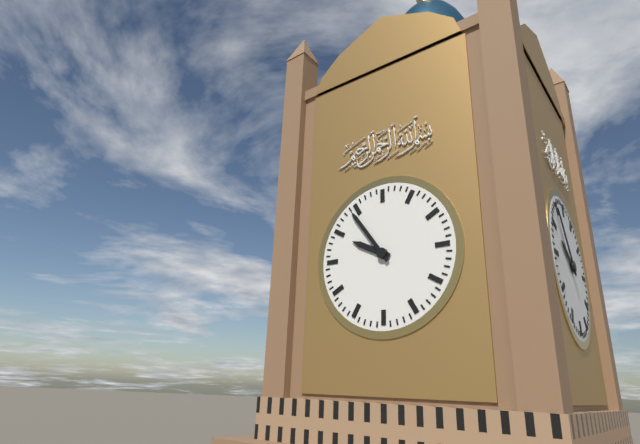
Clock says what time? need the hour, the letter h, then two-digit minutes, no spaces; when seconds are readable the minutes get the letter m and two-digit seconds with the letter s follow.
9h54
